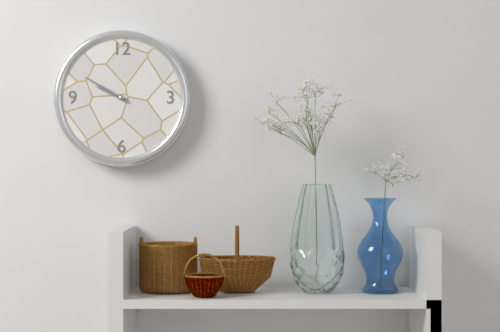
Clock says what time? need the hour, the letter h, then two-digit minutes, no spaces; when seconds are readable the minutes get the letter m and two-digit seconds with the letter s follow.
9h50
